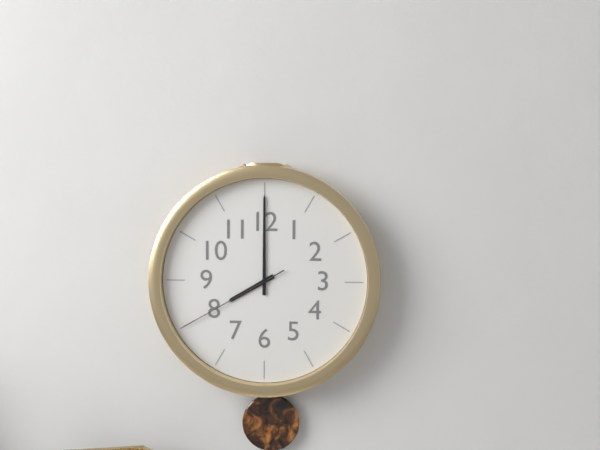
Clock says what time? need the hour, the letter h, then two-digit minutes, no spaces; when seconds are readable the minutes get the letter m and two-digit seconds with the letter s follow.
8h00m40s
